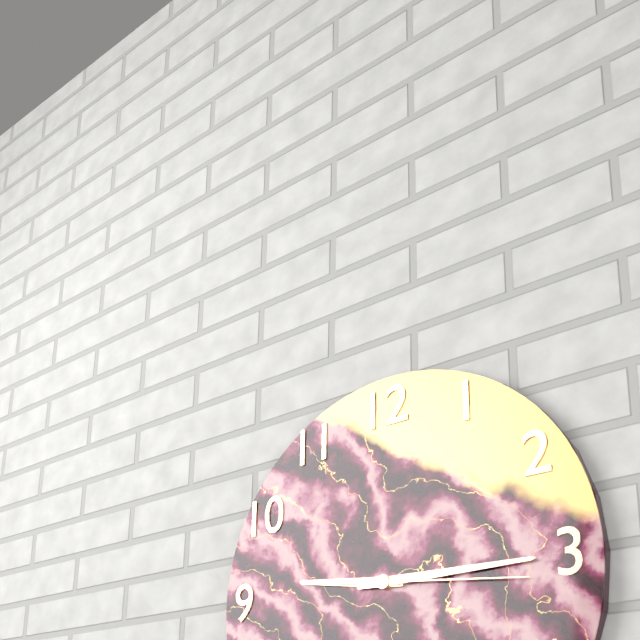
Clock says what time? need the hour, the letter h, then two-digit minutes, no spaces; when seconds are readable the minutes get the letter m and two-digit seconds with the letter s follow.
9h15m16s
